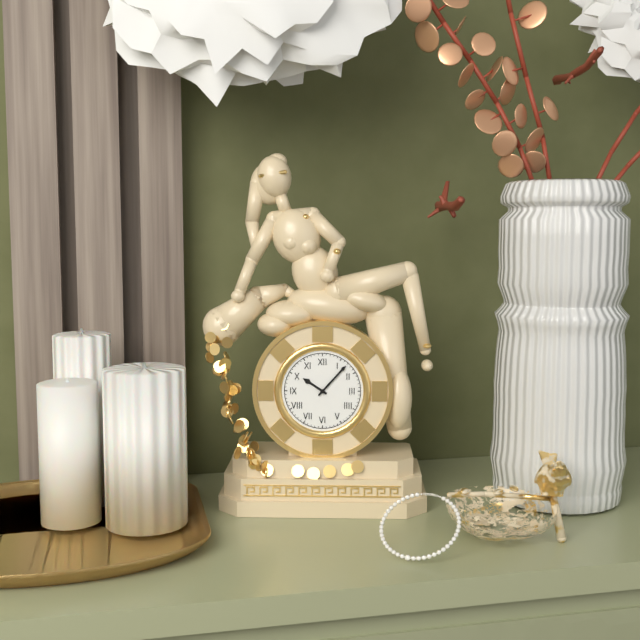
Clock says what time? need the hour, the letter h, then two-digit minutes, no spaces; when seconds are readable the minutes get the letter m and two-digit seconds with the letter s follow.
10h07
